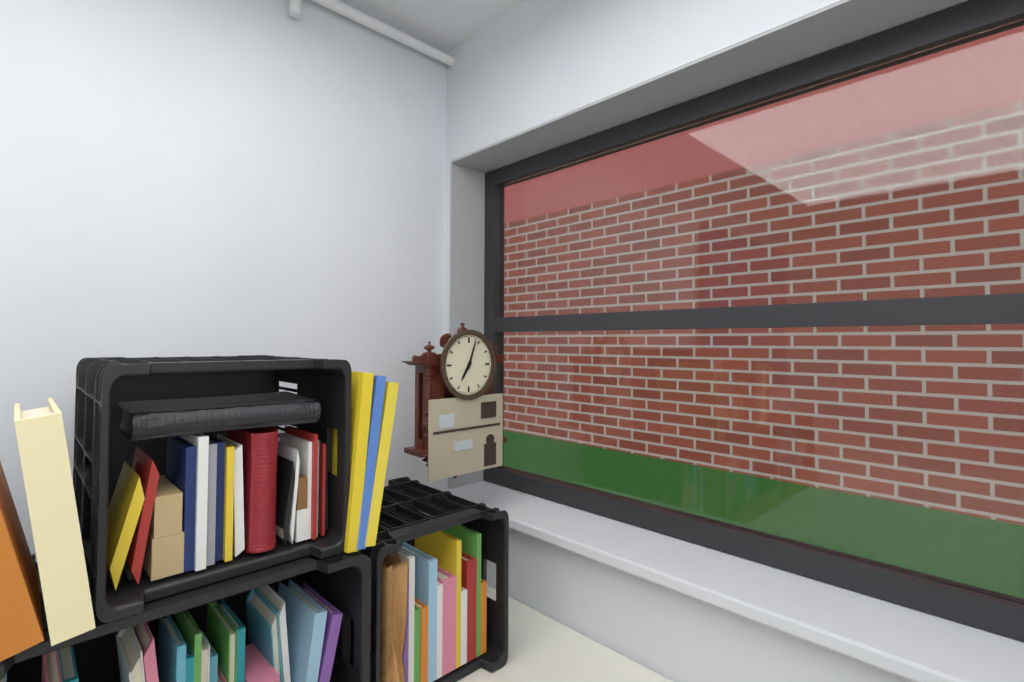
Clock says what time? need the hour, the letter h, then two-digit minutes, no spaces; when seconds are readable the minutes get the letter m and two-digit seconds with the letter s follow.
7h03
